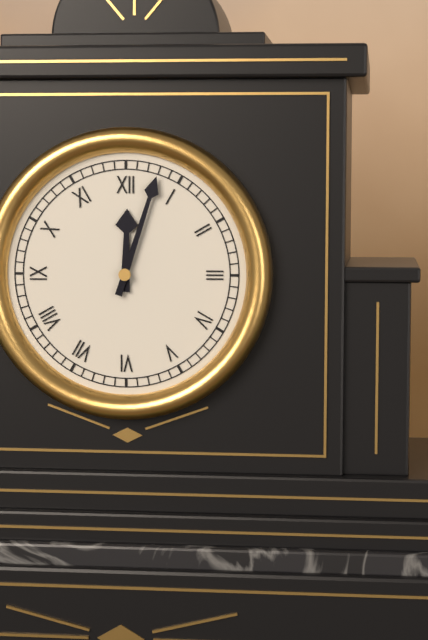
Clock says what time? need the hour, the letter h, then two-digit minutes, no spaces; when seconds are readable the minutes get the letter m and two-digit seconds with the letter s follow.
12h03
